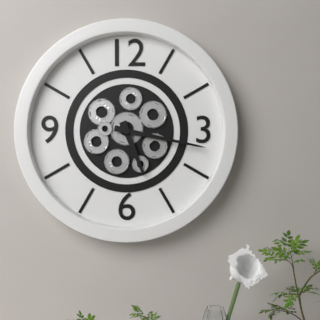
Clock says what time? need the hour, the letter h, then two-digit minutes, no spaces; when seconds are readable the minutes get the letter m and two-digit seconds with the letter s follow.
5h17
